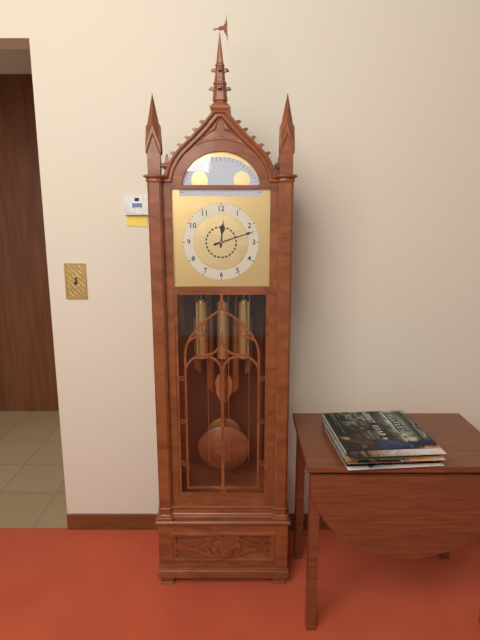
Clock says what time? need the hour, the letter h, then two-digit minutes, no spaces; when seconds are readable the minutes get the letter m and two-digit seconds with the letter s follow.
12h12
